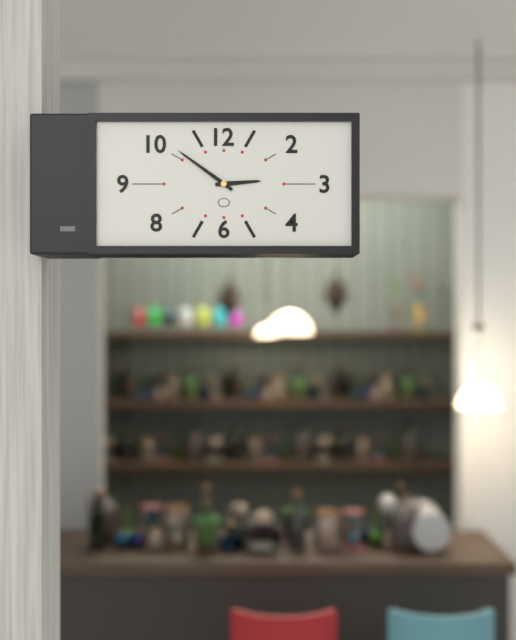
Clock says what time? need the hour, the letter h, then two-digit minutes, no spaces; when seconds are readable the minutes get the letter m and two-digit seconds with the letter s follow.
2h51
